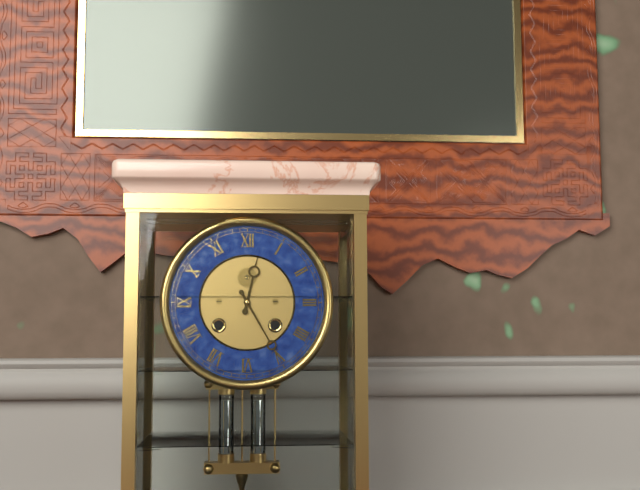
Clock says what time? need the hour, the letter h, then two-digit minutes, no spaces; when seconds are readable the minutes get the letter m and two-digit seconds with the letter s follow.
12h25
